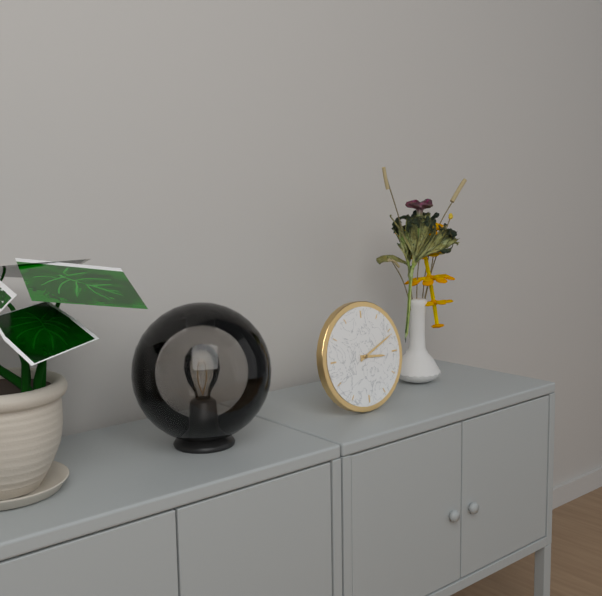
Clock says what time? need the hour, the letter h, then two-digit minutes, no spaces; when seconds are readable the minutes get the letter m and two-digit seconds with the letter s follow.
3h11
